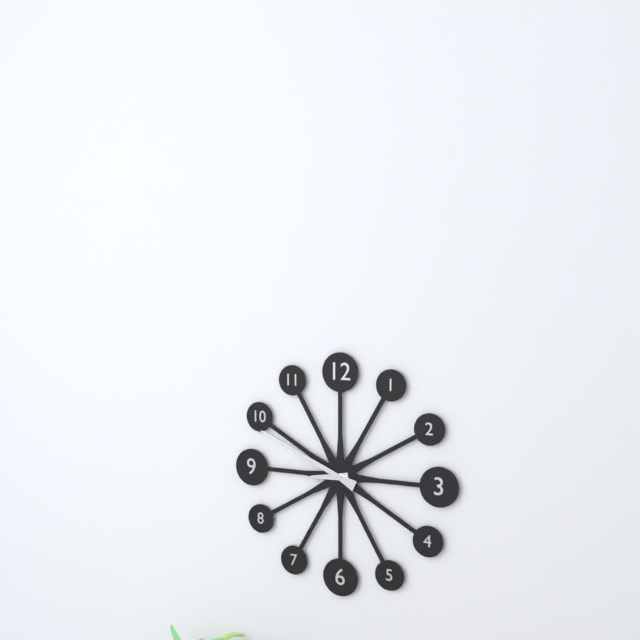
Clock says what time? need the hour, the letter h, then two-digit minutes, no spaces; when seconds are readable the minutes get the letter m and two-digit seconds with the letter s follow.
8h49
